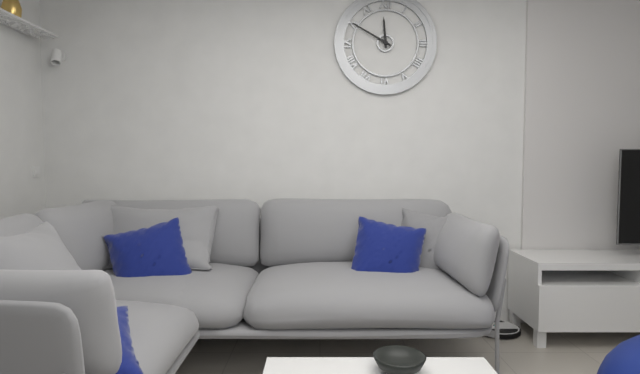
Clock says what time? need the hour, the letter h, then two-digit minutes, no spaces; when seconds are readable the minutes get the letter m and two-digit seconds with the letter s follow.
11h50
